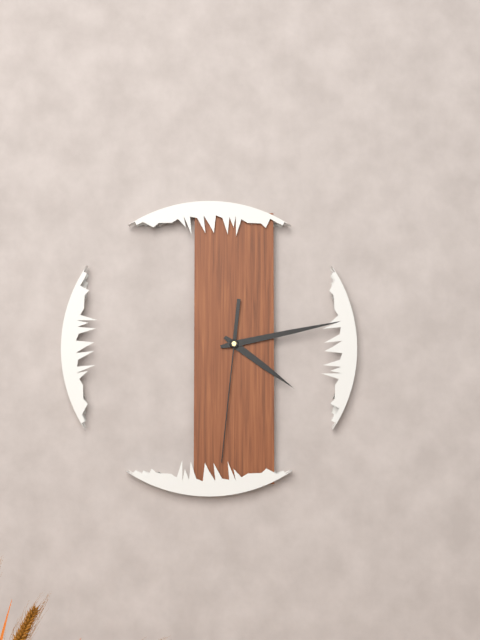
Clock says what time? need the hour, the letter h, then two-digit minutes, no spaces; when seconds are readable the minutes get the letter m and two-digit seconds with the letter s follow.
4h13m31s
